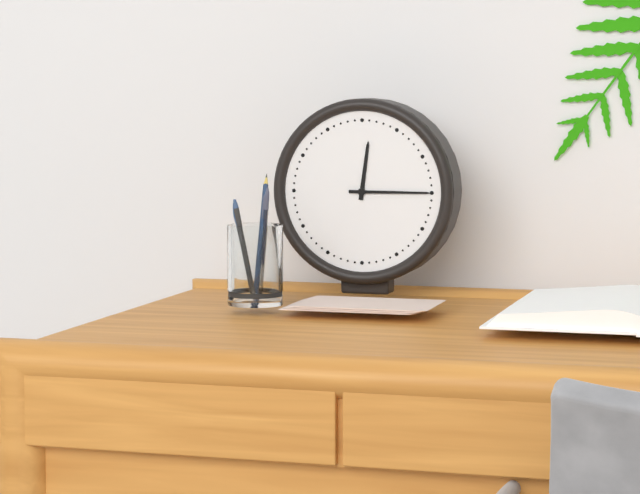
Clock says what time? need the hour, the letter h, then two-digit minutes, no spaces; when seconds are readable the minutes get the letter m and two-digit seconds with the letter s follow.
12h15
